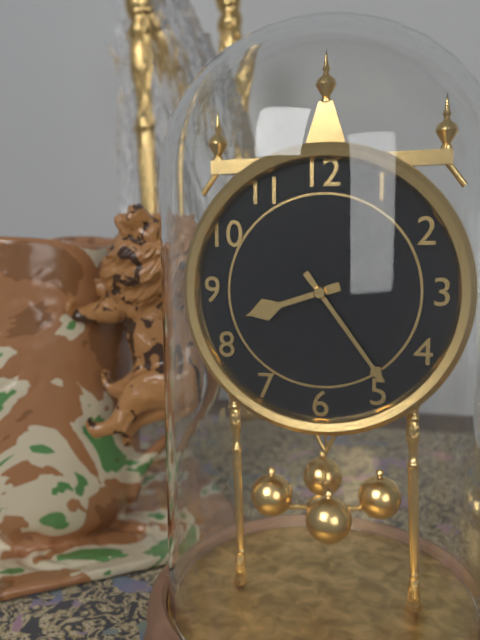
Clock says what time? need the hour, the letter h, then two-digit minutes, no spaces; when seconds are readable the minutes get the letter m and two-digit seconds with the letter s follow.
8h24
